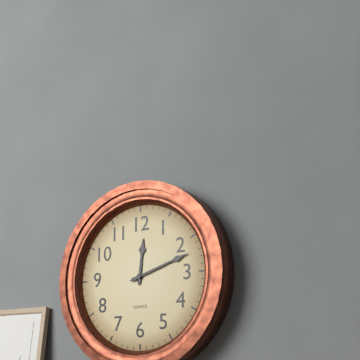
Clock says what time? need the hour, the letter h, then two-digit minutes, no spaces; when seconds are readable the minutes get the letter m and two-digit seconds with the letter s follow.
12h12
